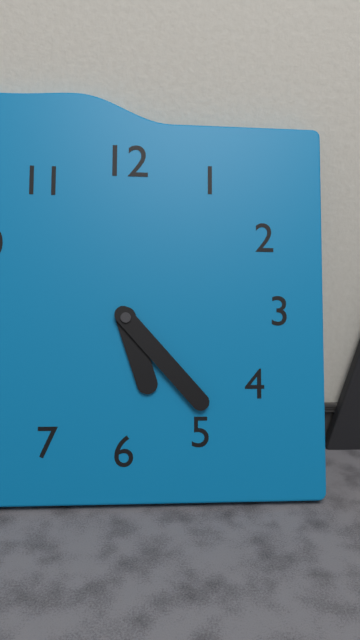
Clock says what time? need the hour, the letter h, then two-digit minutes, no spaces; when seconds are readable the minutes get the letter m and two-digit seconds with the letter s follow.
5h23
